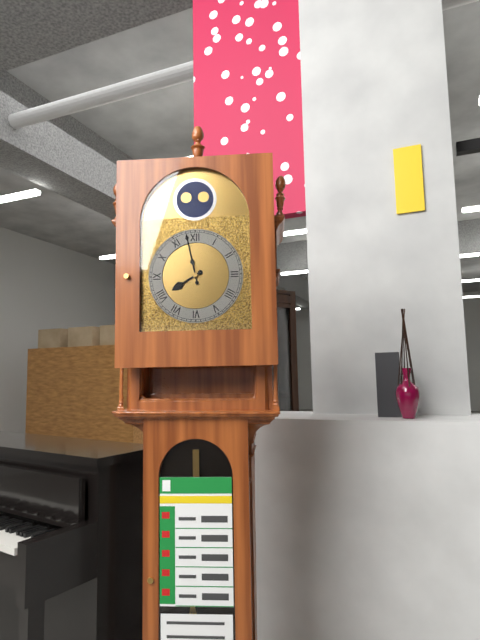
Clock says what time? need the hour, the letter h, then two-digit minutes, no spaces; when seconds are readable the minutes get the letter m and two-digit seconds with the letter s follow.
7h58
